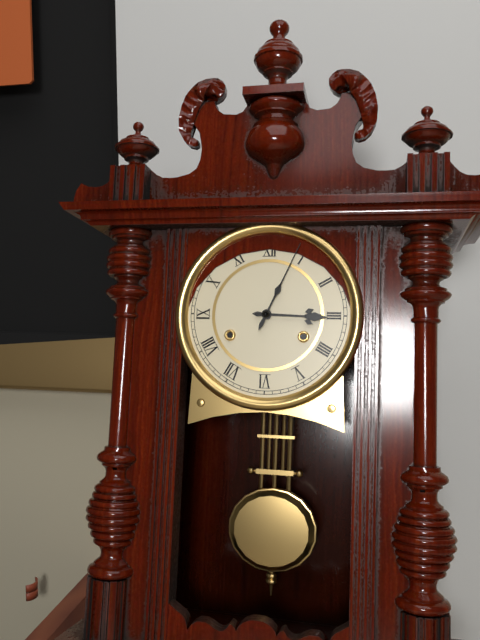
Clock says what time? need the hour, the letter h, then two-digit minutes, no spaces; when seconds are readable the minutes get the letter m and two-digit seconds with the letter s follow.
3h04
